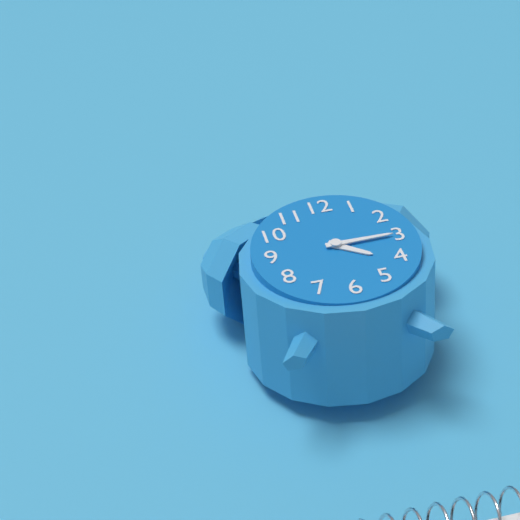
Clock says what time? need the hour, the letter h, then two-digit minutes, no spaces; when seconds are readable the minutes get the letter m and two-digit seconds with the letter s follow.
4h15
